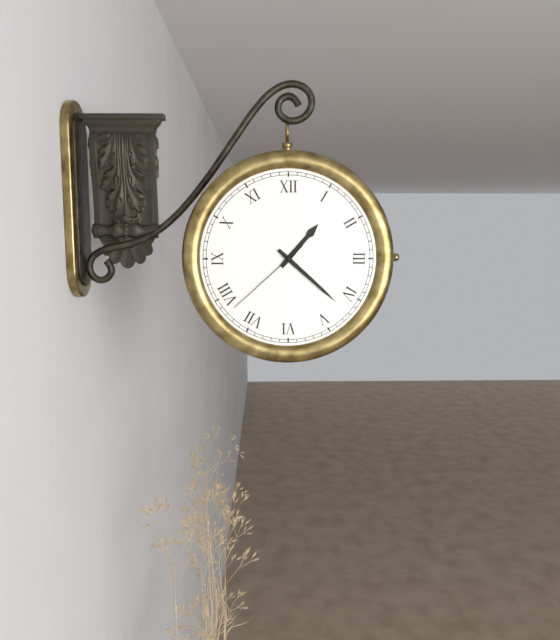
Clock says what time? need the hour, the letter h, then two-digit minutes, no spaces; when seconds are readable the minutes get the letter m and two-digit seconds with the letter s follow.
1h22m38s
